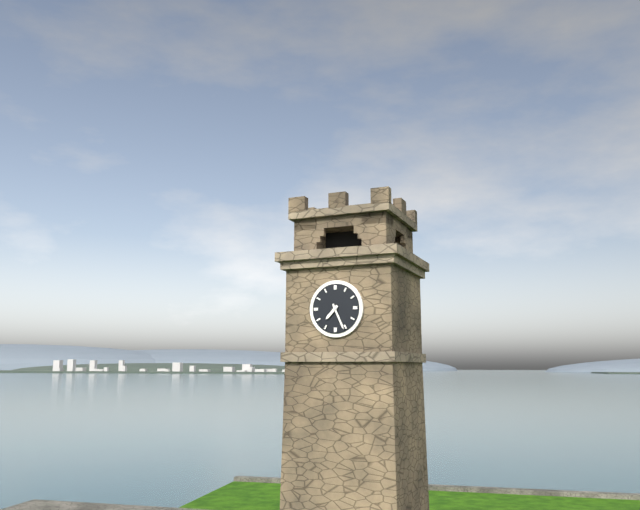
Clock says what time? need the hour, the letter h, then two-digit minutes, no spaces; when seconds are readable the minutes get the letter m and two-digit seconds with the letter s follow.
7h26
